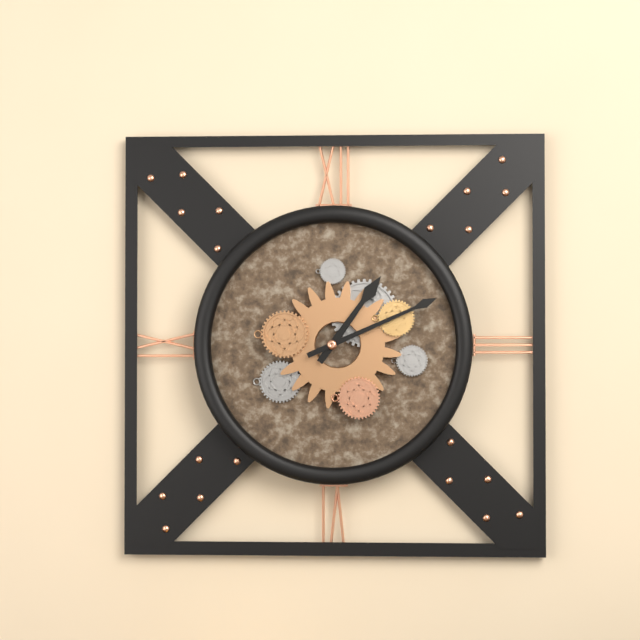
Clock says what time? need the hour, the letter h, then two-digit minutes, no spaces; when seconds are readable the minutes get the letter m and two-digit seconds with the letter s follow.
1h11
